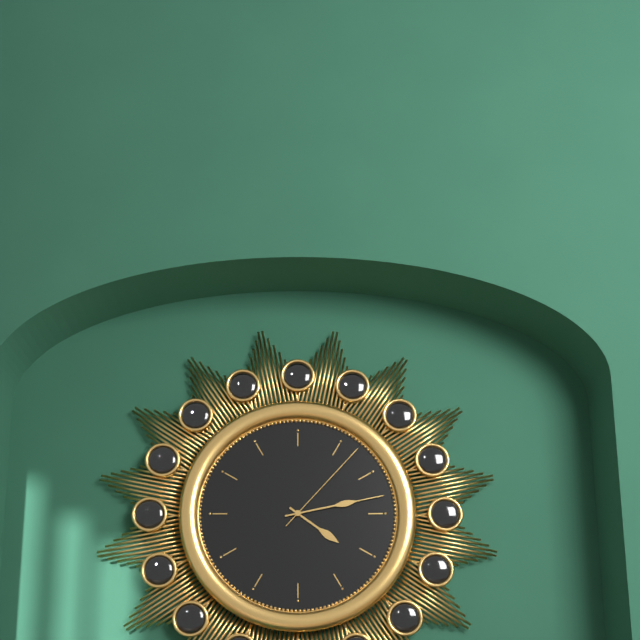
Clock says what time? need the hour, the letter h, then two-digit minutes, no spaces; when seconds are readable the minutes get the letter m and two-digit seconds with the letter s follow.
4h13m07s
